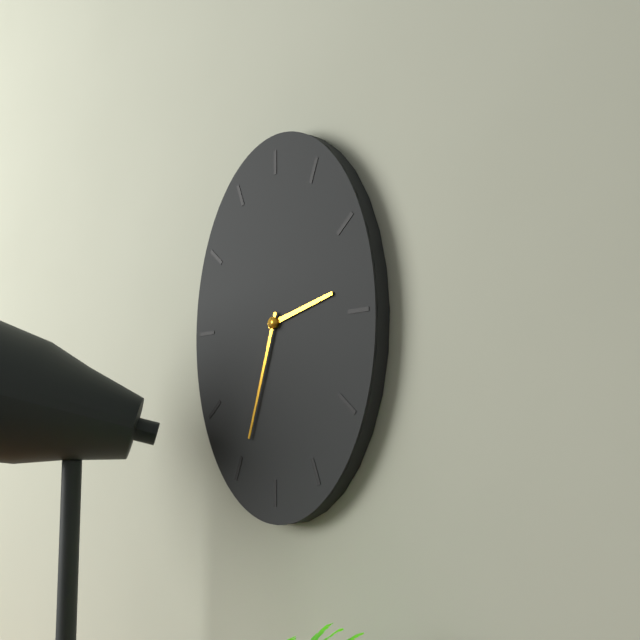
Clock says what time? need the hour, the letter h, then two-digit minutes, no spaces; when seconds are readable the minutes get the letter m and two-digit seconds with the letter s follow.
2h33
